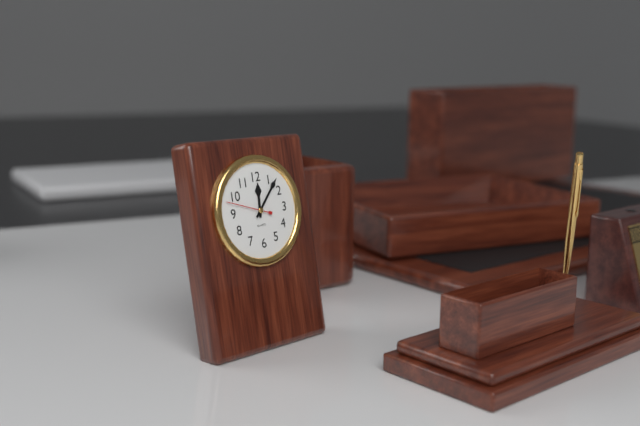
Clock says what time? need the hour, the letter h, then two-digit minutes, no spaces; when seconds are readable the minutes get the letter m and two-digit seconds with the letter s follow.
12h07
